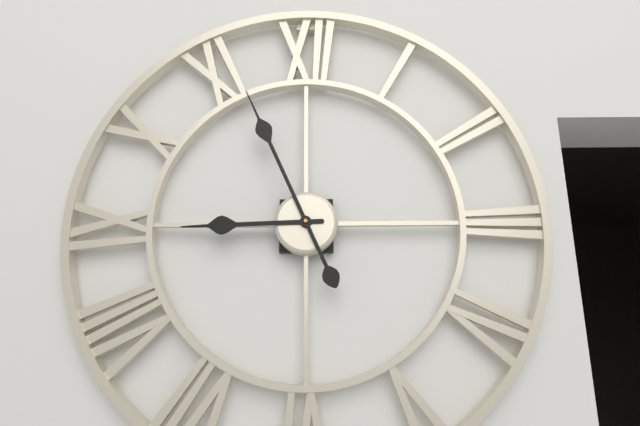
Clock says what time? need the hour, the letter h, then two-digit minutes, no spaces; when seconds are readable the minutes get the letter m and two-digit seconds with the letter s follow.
8h56
